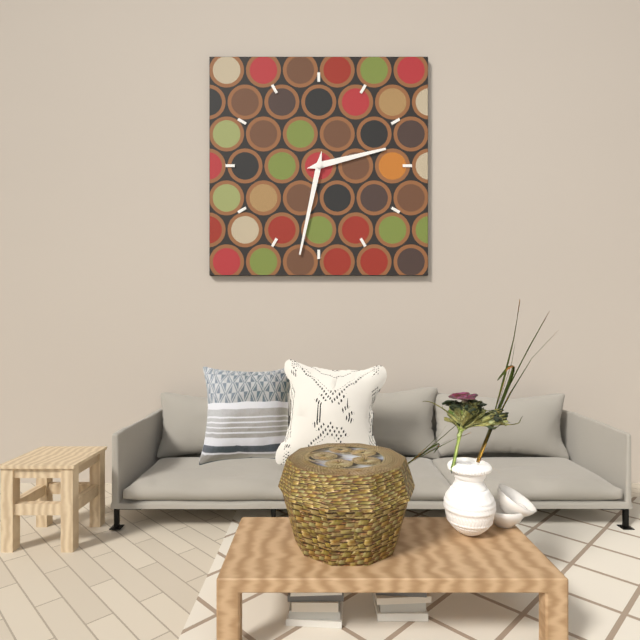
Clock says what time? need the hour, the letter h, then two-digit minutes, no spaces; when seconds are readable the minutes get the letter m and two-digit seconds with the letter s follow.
2h32
